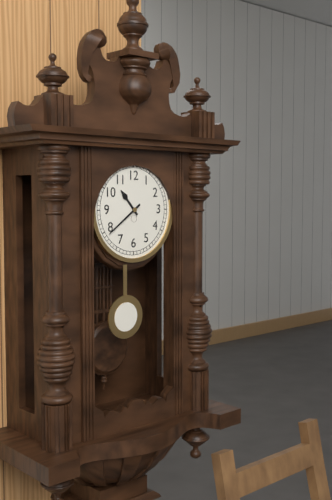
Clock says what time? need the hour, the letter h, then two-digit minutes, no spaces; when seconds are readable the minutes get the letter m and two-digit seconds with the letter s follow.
10h39
